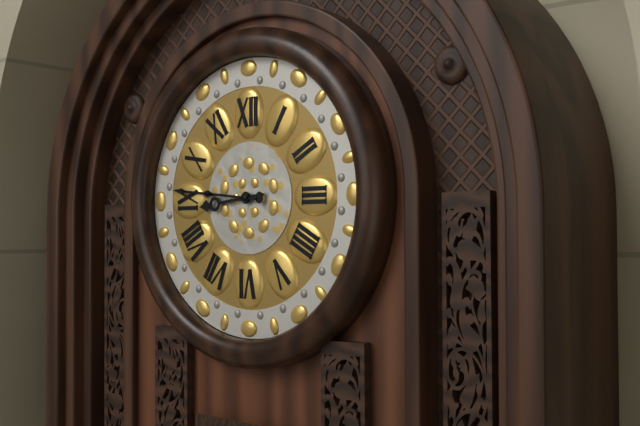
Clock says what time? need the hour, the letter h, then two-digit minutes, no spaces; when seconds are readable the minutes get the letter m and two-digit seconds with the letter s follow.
8h46
